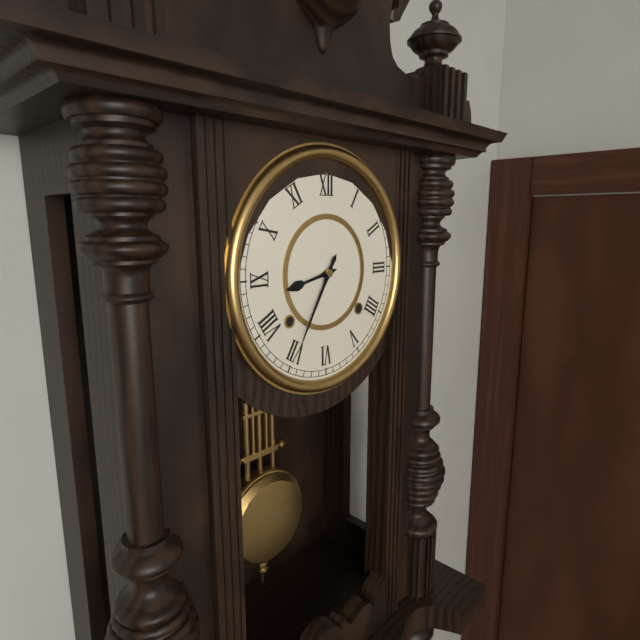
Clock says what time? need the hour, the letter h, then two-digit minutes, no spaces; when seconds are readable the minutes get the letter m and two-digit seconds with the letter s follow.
8h35
